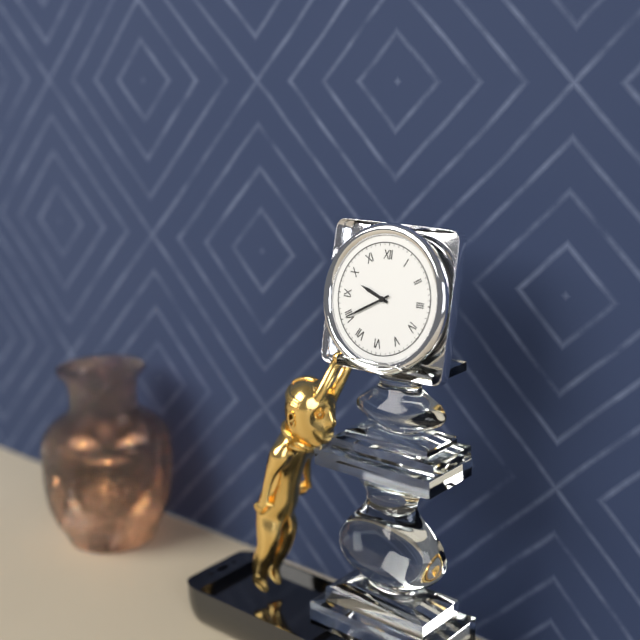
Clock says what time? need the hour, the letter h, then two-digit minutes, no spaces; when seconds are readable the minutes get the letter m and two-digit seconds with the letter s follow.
9h40
